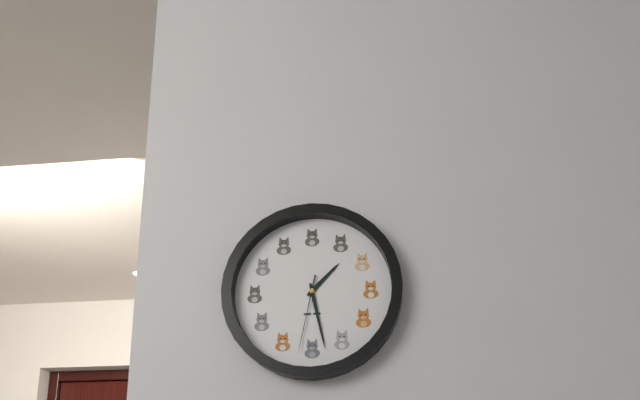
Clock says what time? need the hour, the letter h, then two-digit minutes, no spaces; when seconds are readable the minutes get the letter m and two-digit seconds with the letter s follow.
1h28m32s
